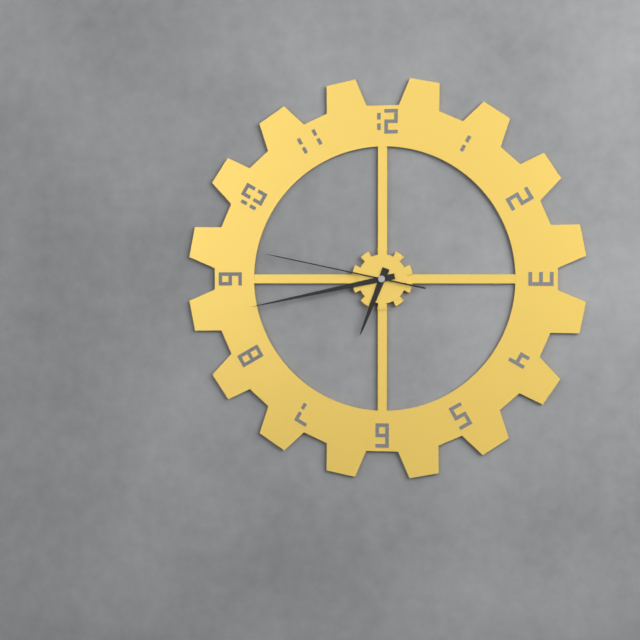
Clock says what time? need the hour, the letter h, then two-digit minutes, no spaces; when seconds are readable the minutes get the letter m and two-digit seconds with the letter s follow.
6h43m47s
